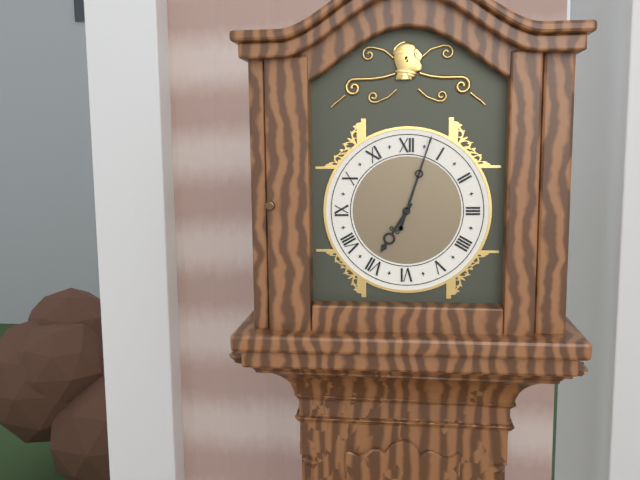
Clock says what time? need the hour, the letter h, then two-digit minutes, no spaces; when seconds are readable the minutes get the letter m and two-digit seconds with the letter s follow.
7h03
